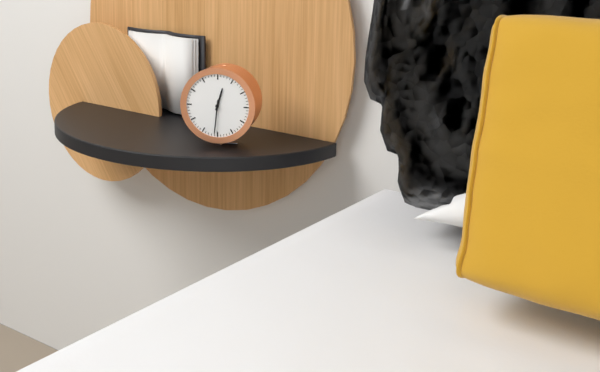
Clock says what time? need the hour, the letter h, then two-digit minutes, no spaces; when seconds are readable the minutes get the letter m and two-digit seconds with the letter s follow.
12h31
